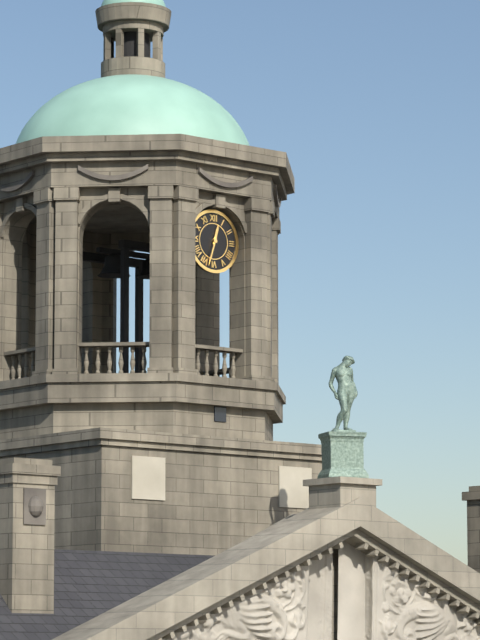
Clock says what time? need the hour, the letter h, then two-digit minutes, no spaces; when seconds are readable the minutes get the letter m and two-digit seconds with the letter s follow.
12h33
